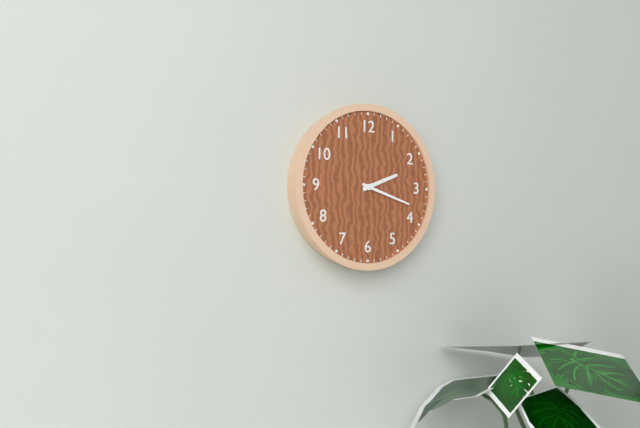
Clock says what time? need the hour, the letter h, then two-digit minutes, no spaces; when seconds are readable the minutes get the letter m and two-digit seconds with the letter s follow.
2h18
